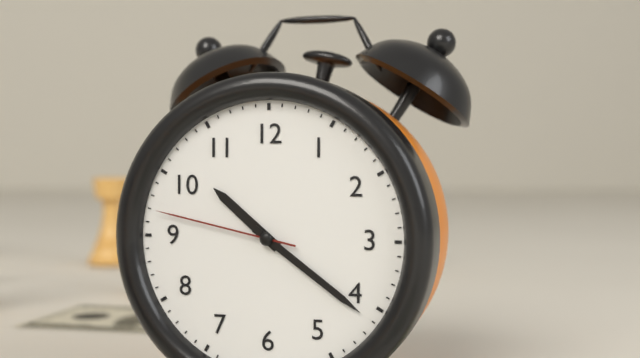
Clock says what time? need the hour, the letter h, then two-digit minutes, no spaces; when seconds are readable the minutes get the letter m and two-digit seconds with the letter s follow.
10h21m47s
